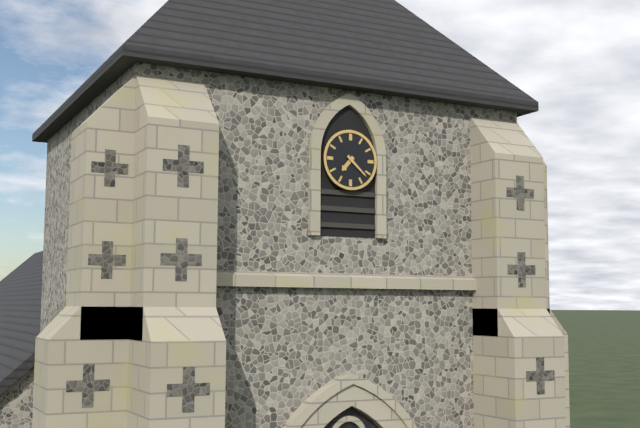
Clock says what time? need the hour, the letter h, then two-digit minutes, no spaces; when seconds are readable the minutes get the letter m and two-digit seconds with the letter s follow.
7h22
